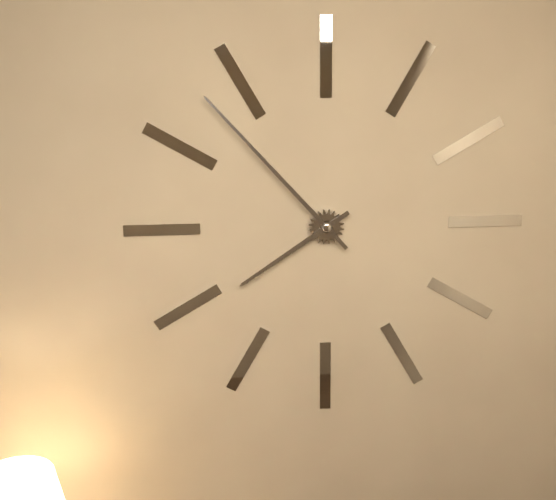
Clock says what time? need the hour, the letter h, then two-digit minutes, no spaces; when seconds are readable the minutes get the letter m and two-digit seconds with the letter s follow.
7h53
